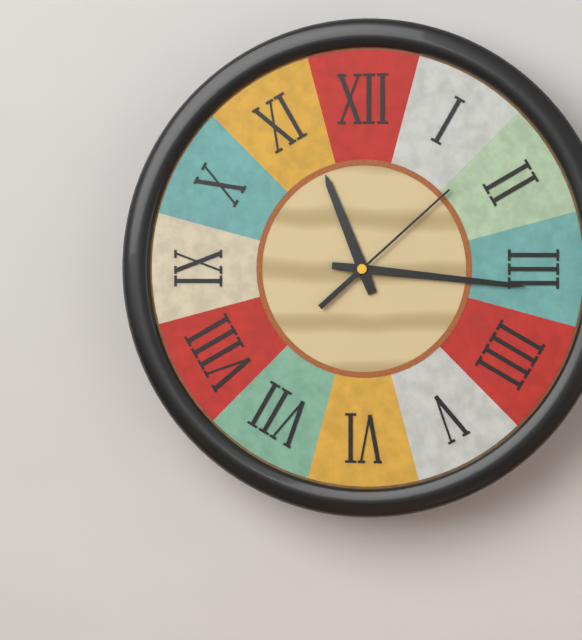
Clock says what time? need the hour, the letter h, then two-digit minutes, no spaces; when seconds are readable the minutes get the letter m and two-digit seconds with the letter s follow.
11h16m08s
